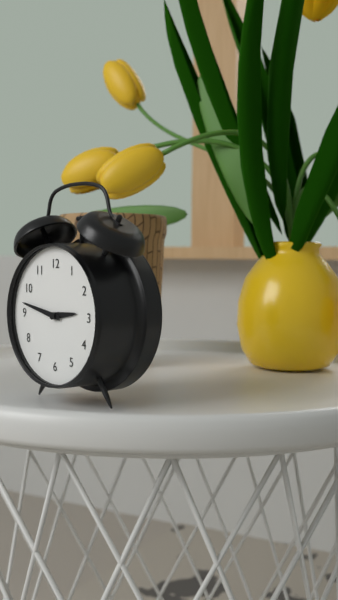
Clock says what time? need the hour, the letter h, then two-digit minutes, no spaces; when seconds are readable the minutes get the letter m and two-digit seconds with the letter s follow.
2h47
